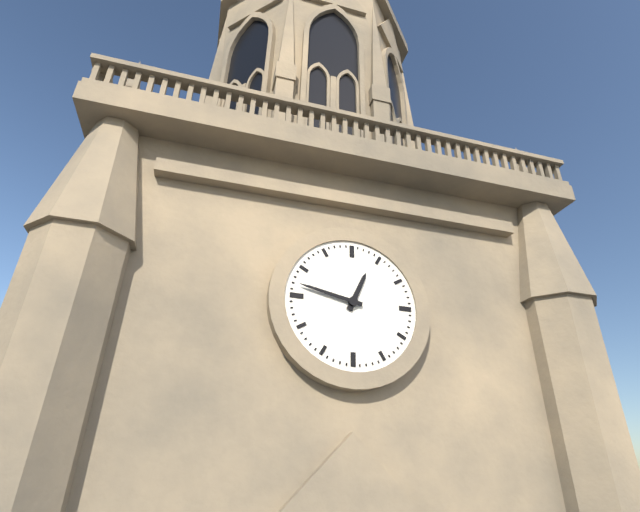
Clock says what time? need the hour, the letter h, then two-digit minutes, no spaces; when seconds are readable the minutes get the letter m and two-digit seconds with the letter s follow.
12h47
